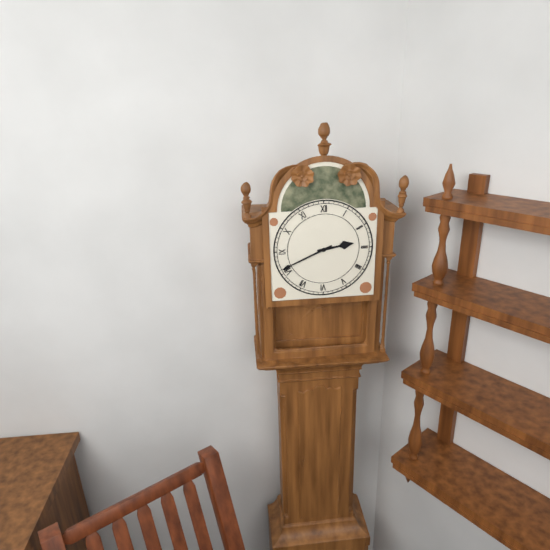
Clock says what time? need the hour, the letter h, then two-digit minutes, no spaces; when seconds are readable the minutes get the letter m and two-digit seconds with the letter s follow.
2h41
